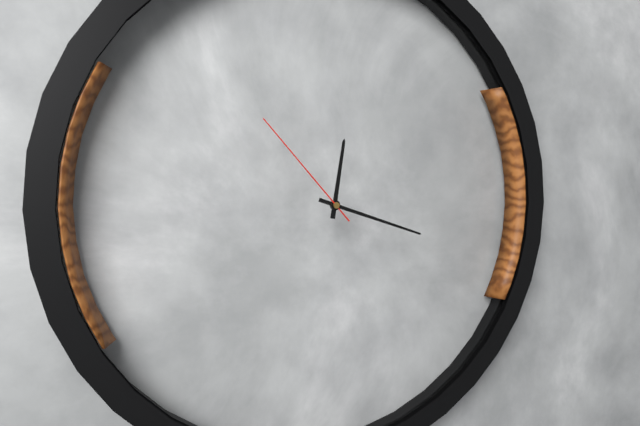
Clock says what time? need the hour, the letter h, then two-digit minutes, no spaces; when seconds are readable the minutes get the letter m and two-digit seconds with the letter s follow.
12h18m53s
